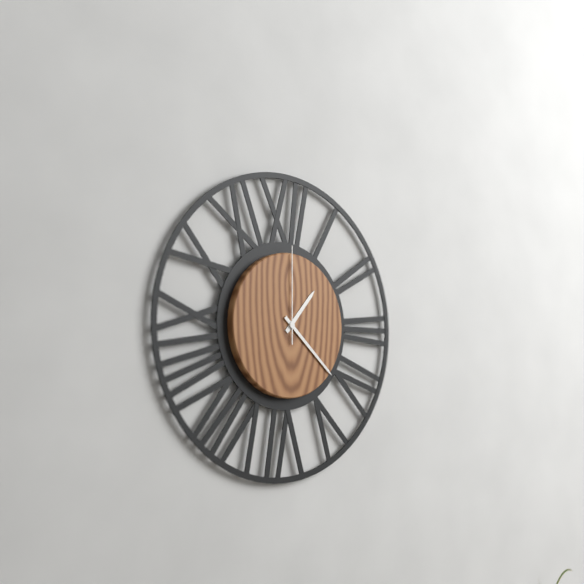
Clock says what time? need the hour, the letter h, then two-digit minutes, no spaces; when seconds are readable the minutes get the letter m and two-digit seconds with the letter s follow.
1h22m00s
